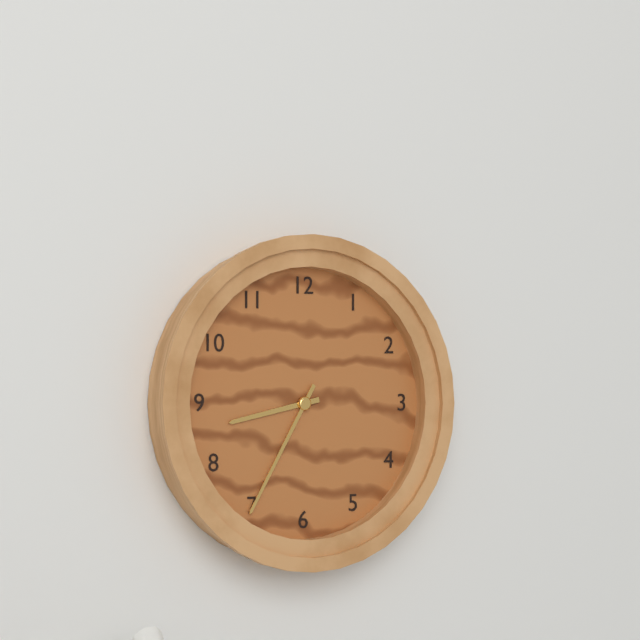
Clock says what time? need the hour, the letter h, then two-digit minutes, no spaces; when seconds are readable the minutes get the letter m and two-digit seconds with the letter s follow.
8h35
